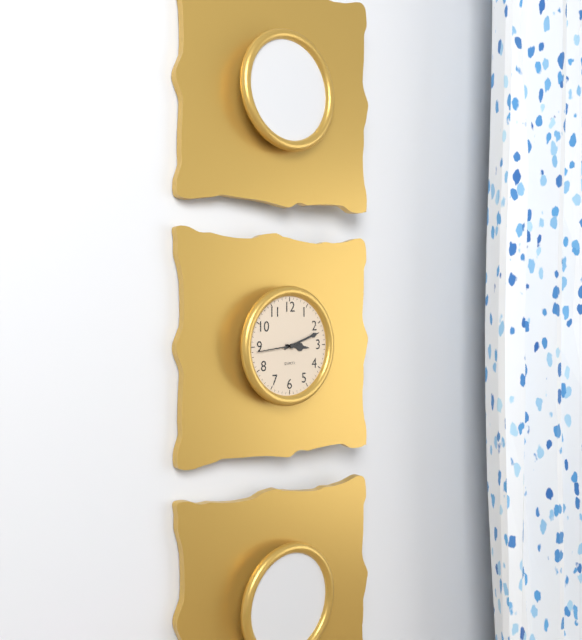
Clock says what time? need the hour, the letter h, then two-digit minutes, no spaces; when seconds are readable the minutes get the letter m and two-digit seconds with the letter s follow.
3h12
